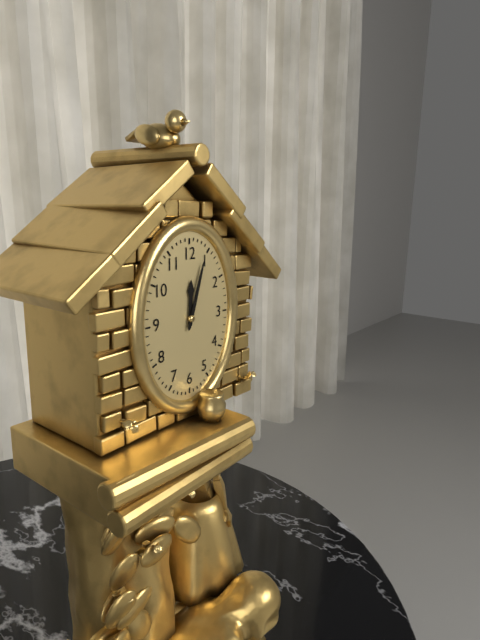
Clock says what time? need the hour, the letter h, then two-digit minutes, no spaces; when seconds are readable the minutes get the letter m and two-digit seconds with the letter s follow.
12h03
